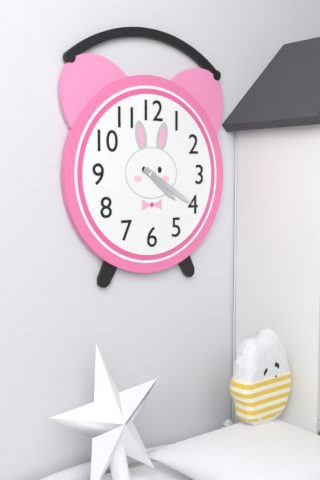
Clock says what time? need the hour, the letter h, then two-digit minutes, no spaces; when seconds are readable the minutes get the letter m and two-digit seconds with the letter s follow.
4h20
